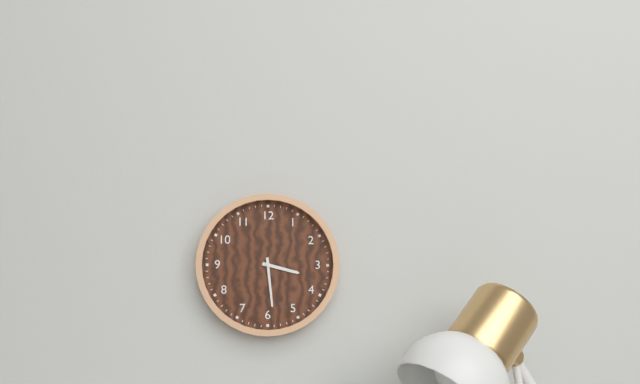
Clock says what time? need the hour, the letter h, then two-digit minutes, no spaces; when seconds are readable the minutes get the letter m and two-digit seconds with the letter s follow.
3h29
